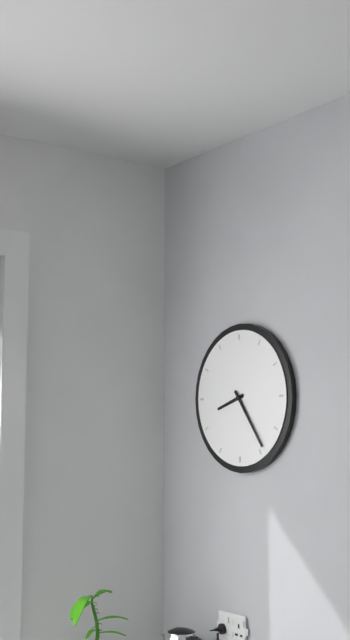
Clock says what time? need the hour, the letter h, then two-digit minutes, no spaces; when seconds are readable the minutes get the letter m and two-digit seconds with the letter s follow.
8h24
